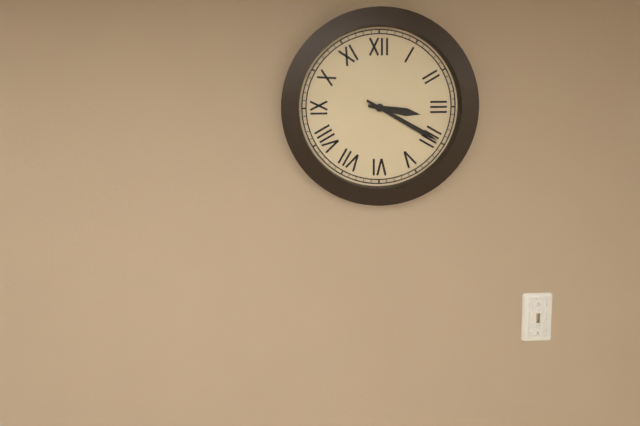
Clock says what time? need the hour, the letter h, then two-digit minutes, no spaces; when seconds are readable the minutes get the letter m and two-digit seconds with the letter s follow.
3h20
